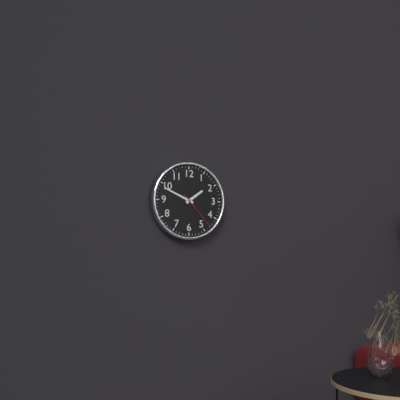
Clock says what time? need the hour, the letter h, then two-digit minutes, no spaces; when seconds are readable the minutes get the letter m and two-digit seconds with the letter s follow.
1h49
